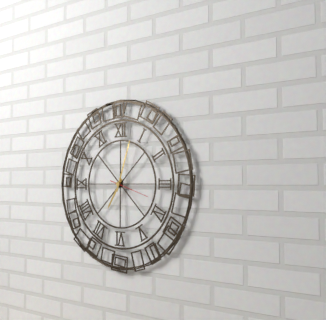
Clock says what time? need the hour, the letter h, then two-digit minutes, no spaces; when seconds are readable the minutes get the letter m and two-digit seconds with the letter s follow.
7h03
